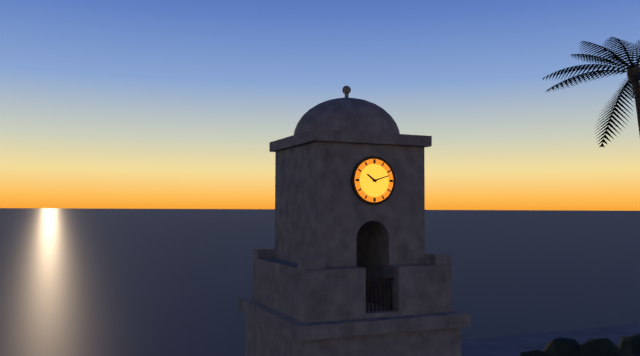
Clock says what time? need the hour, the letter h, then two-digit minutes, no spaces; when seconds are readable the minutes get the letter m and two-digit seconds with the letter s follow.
10h12
